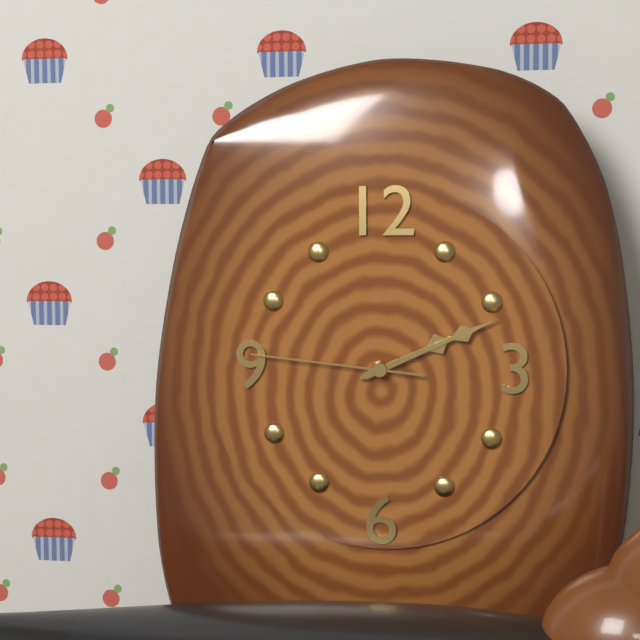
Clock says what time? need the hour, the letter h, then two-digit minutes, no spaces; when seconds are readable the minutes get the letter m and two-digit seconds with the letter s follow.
2h11m46s
